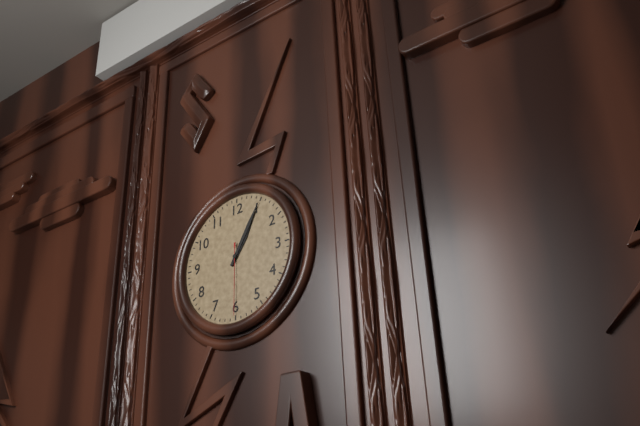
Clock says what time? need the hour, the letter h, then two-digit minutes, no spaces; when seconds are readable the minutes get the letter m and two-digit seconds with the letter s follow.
1h05m30s
